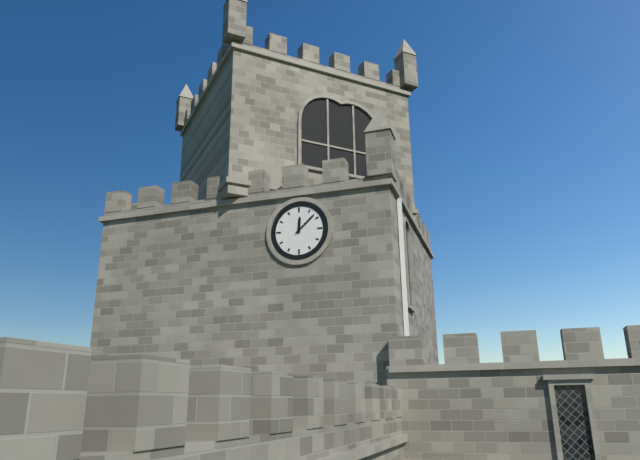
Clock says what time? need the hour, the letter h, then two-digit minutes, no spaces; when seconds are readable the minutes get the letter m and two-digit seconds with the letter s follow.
12h08
